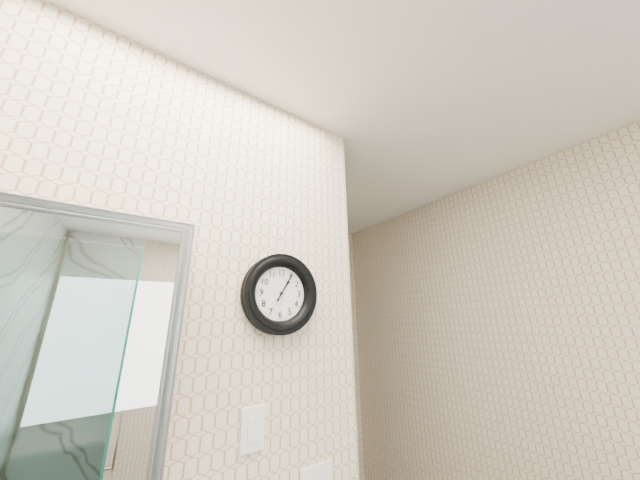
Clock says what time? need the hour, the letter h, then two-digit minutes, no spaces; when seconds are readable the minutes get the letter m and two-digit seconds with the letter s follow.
1h05
